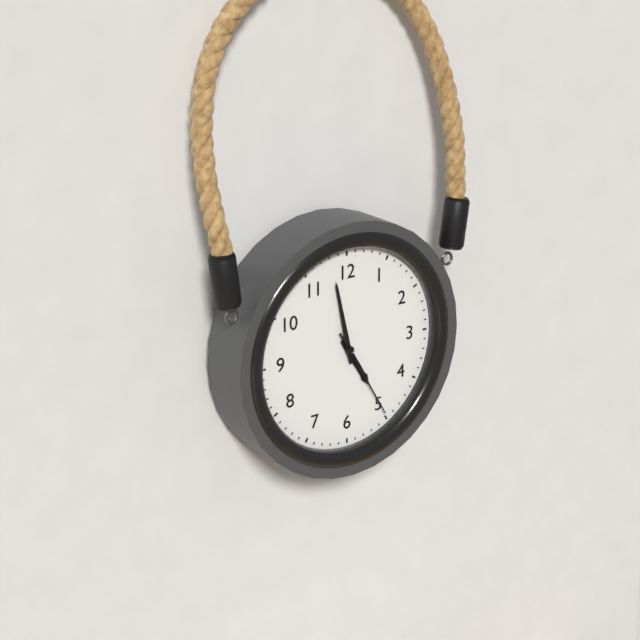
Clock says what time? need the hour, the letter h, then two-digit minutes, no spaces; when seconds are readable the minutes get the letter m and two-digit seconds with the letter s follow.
4h58m25s
